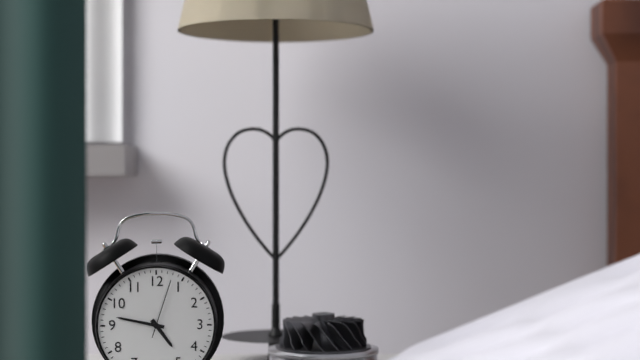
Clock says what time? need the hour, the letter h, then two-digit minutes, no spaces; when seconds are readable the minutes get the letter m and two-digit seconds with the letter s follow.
4h47m03s
